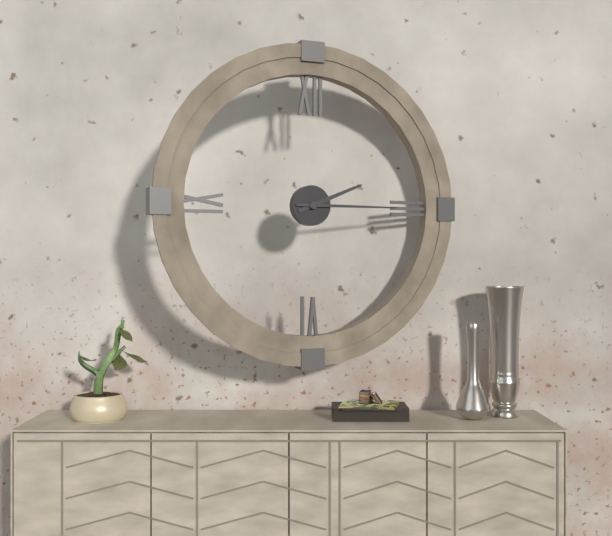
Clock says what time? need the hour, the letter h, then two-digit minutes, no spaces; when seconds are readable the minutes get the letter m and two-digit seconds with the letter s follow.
2h15
